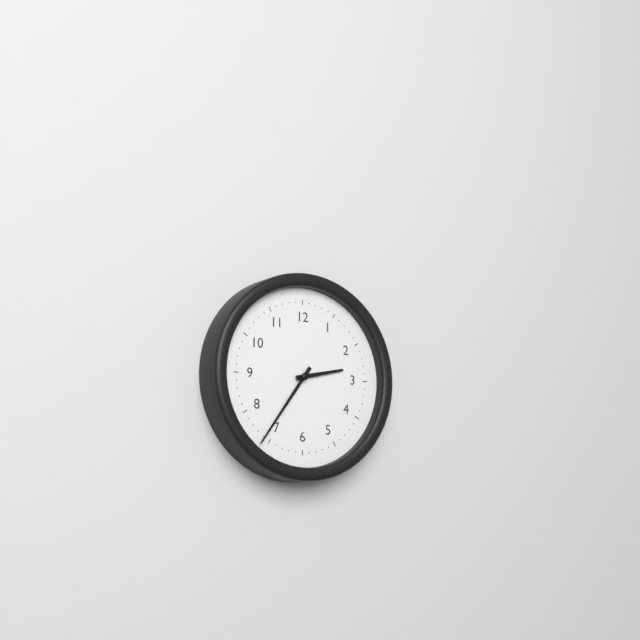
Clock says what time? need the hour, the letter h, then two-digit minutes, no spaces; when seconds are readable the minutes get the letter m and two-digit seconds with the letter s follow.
2h36
